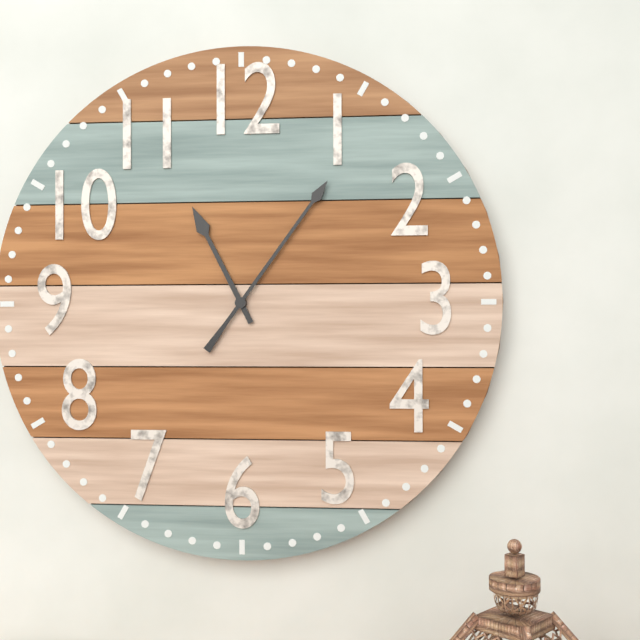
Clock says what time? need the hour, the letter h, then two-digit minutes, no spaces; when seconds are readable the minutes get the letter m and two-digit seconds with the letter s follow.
11h06
